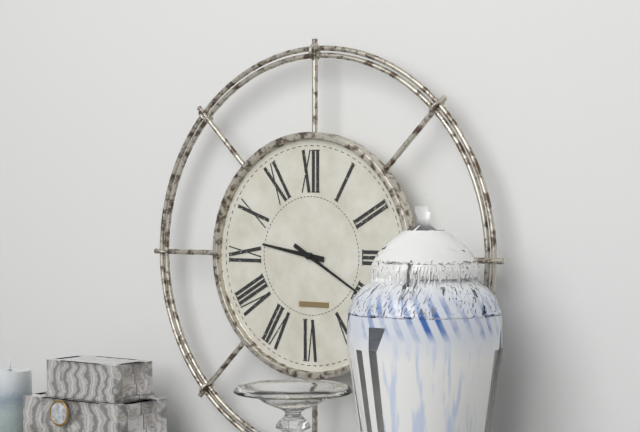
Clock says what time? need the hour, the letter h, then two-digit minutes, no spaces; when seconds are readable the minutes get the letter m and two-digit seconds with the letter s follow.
9h20
